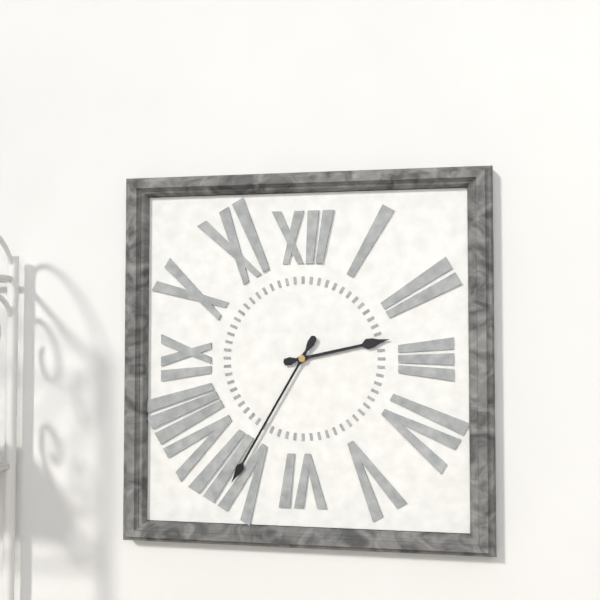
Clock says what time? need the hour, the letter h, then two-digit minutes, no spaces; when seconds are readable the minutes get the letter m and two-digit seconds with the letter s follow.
2h35
